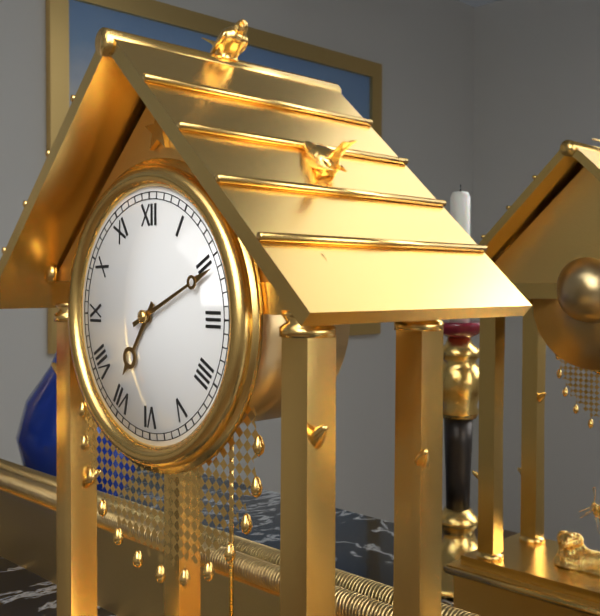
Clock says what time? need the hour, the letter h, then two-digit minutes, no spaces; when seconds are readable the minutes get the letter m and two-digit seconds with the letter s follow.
7h11
